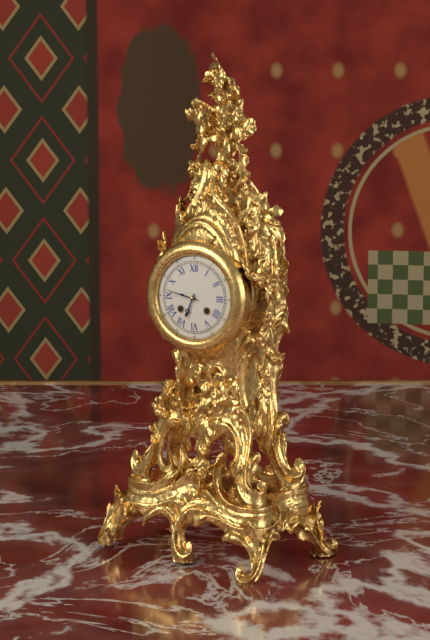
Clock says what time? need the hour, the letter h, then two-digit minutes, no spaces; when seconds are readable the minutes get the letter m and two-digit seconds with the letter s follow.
6h47
